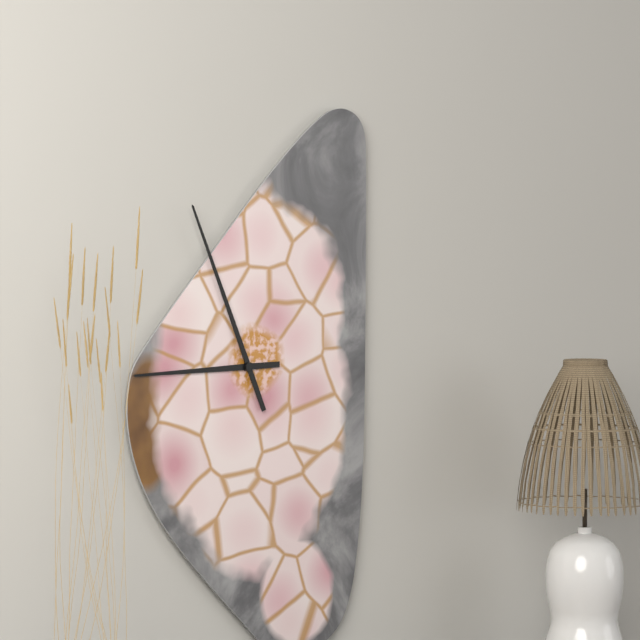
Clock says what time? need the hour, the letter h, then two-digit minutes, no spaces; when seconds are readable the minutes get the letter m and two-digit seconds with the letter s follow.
8h56
